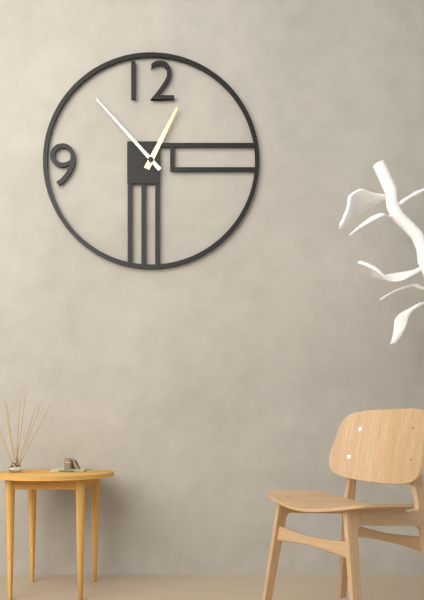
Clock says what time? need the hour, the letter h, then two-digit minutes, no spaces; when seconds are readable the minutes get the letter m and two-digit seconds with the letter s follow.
12h53
